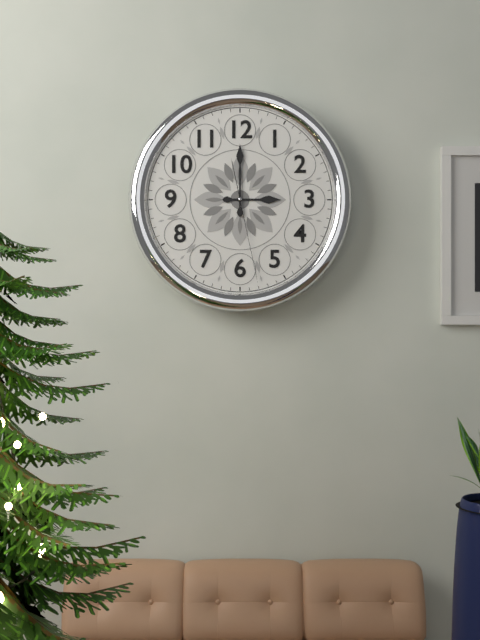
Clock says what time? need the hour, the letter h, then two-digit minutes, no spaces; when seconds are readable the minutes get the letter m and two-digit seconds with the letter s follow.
3h00m28s
